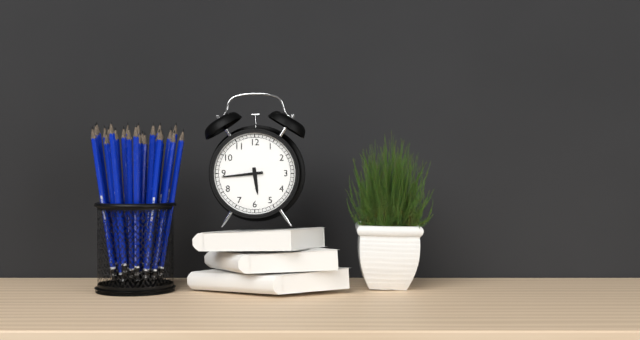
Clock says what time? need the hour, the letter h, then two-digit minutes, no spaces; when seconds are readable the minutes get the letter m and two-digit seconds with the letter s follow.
5h44
